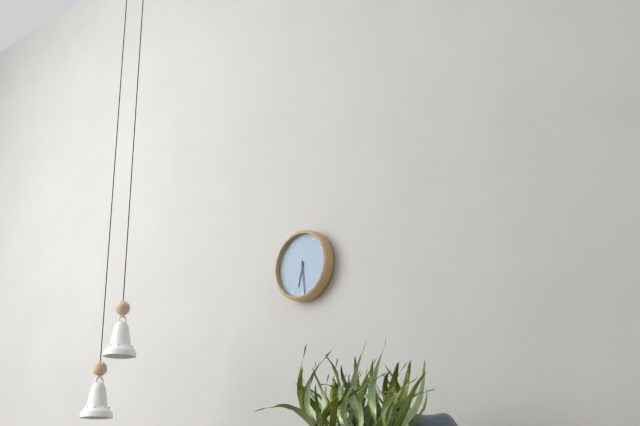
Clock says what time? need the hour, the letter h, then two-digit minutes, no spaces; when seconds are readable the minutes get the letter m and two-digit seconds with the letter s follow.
6h29
